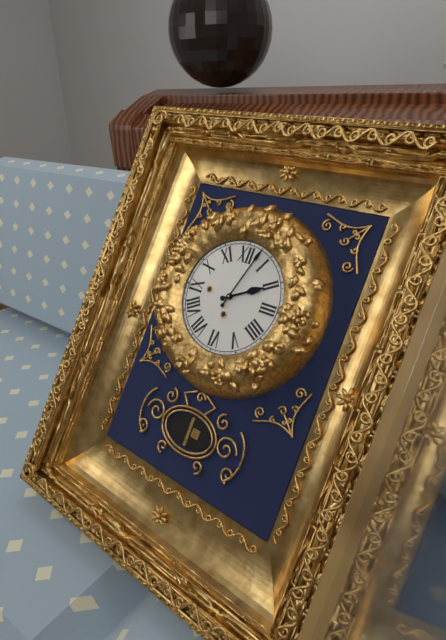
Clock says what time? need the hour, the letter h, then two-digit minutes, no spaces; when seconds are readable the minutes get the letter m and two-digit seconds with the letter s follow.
2h03
